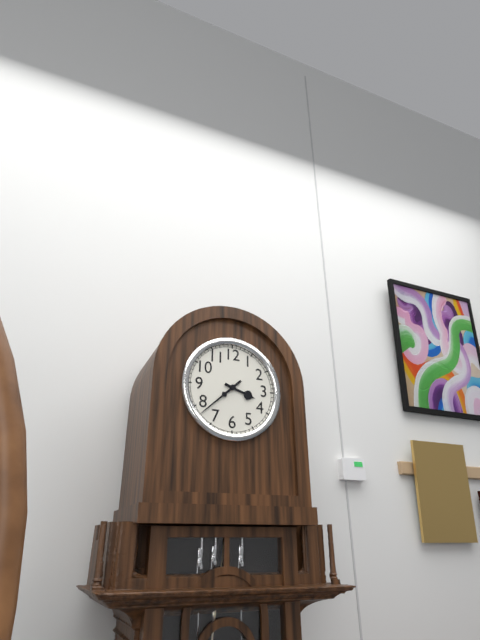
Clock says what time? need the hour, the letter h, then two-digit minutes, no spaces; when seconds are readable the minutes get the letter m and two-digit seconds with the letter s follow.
3h38
